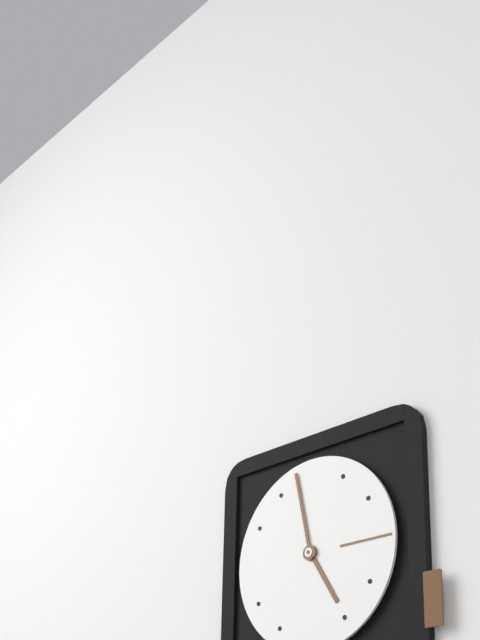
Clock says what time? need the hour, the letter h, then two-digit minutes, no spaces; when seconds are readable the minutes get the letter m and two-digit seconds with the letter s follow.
4h58
